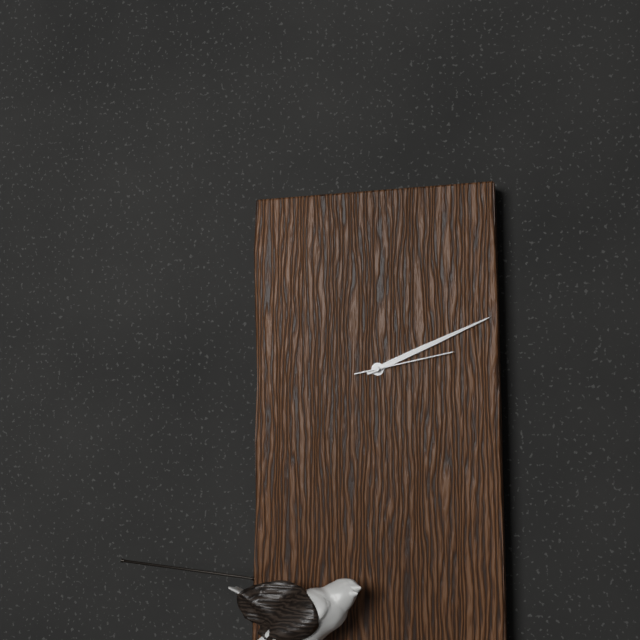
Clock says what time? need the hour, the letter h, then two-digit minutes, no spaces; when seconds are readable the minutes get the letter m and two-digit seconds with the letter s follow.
2h11m13s
